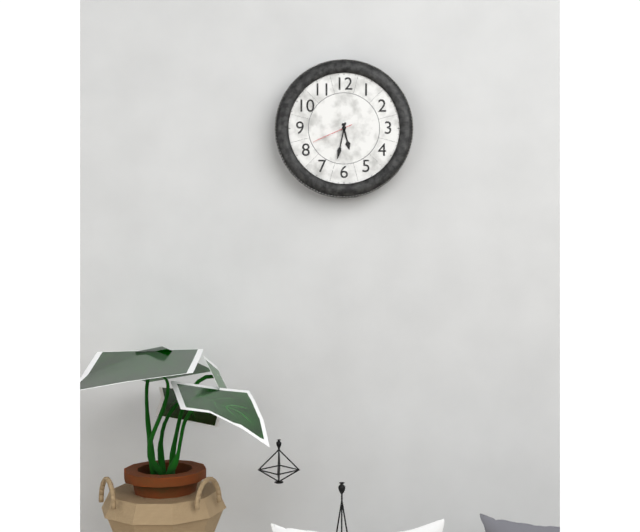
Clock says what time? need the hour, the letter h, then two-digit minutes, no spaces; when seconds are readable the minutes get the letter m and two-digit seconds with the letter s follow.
5h32
